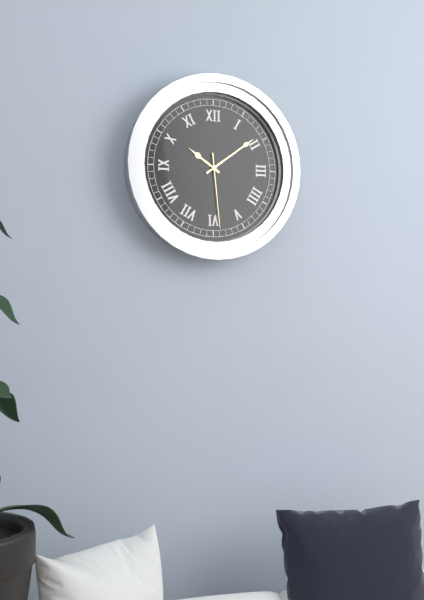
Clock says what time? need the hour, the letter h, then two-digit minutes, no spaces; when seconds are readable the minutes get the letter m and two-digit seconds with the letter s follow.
10h09m29s
